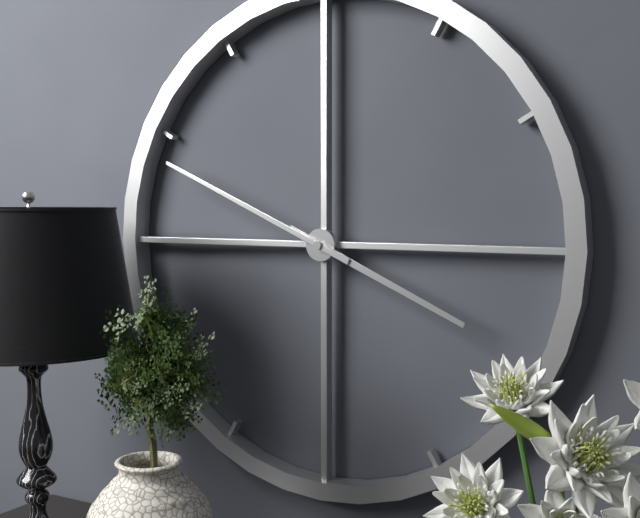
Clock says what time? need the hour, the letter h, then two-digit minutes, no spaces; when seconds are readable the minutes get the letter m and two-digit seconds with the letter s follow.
3h49
